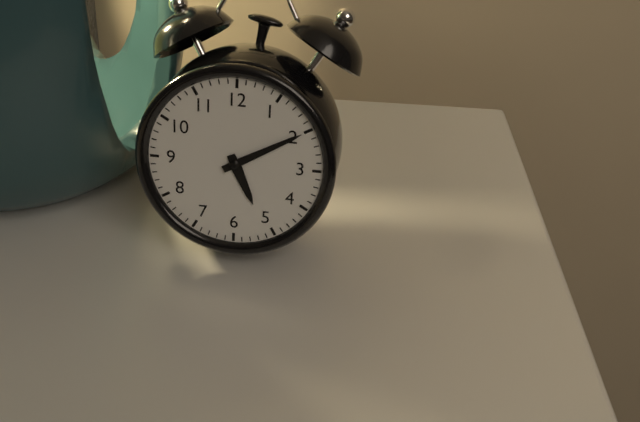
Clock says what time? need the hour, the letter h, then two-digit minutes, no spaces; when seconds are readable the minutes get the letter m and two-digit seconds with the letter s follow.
5h10
